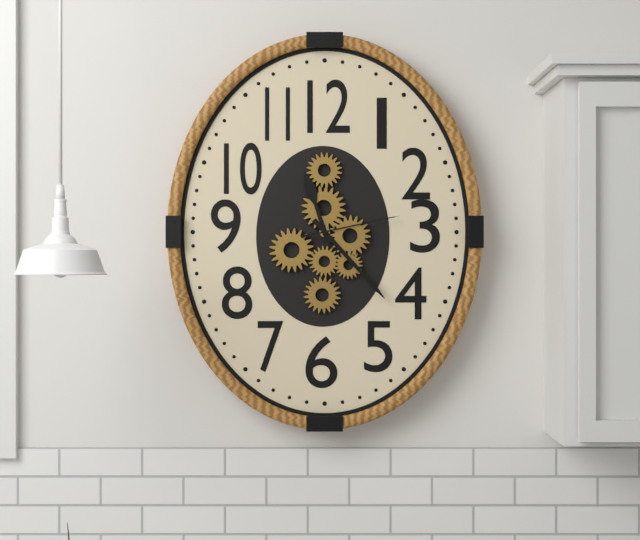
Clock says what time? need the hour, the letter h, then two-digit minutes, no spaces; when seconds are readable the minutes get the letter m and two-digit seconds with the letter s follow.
11h23m13s
